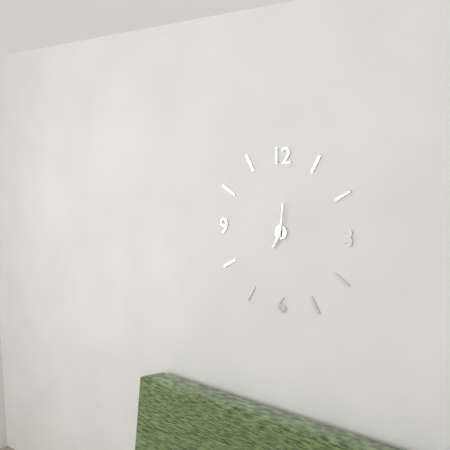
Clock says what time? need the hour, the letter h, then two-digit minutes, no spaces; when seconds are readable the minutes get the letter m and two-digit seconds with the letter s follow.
7h01
